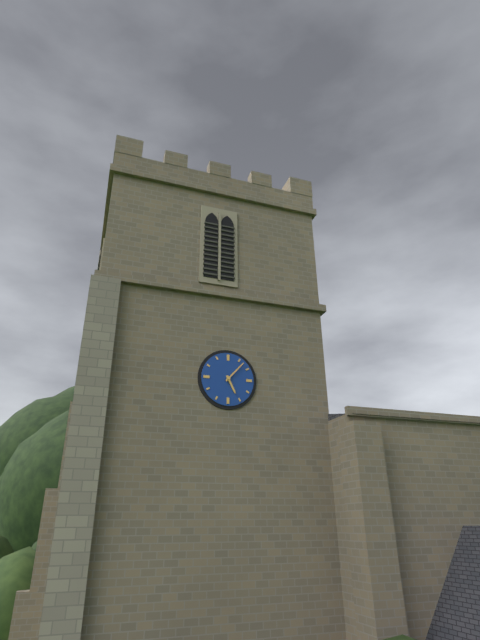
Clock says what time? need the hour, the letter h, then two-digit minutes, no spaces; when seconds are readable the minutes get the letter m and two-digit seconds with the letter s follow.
5h07
